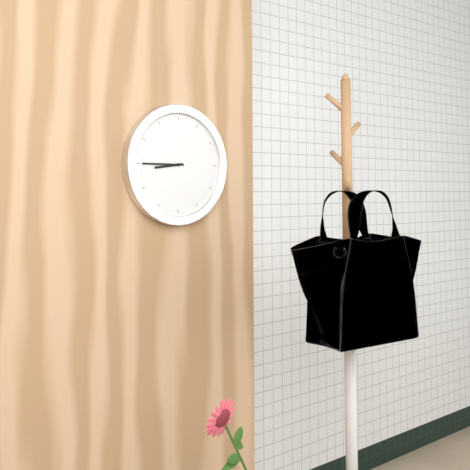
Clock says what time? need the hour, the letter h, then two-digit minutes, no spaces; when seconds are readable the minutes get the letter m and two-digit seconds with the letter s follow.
8h45
